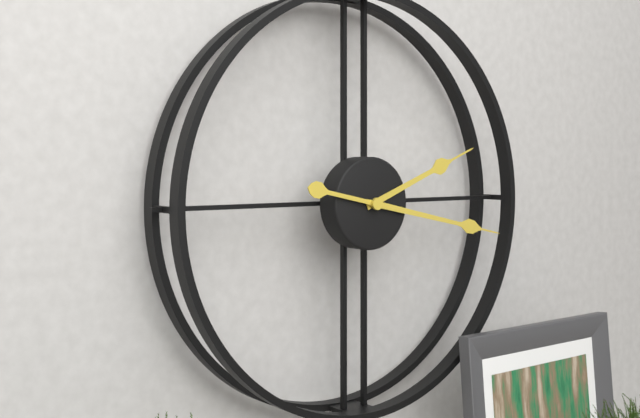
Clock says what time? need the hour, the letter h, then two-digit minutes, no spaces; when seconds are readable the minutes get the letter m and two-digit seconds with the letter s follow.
2h17
